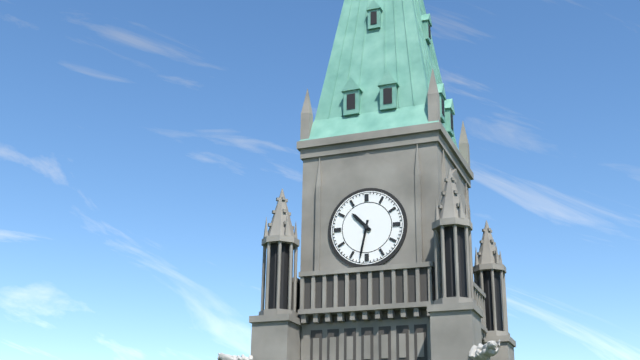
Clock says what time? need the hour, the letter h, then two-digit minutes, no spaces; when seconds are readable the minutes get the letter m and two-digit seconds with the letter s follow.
10h32
